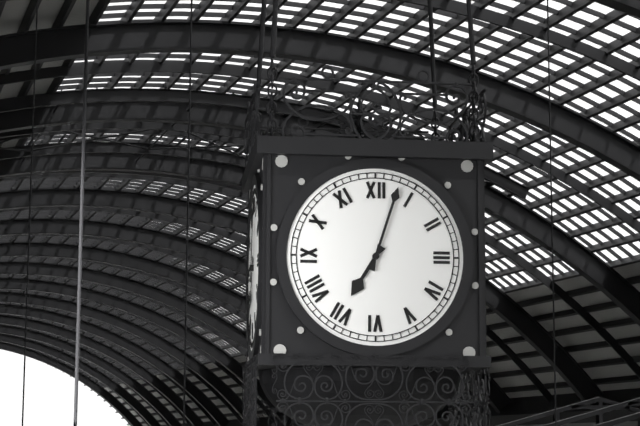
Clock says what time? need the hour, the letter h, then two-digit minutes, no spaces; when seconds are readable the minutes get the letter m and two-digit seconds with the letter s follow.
7h03
